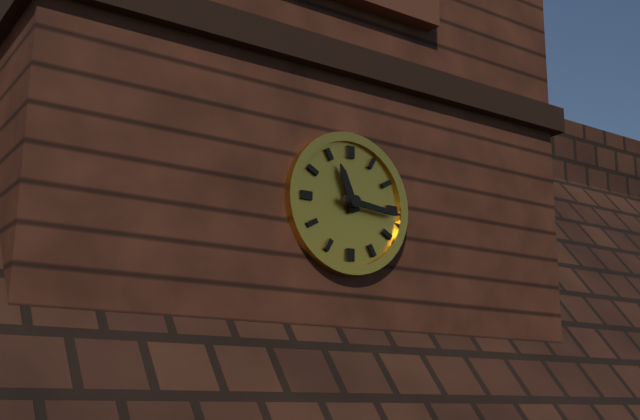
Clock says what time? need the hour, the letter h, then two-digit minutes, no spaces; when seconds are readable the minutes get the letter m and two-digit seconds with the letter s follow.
11h16
